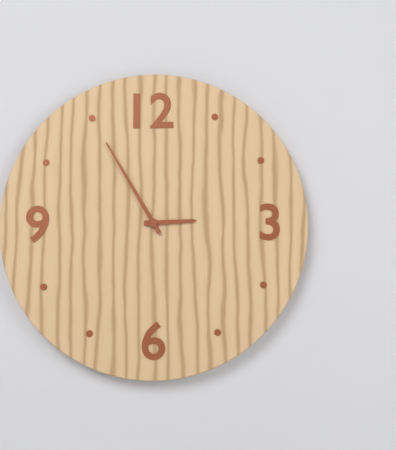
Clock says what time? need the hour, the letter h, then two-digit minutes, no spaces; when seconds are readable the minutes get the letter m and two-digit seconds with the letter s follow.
2h55
